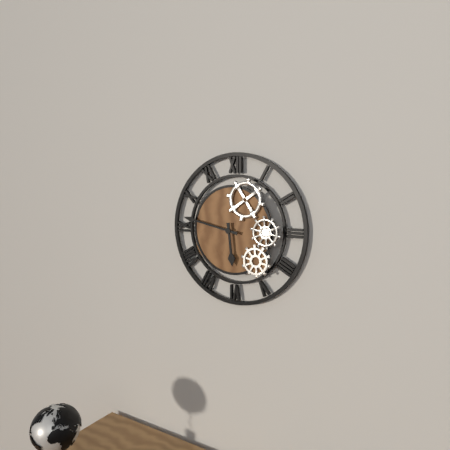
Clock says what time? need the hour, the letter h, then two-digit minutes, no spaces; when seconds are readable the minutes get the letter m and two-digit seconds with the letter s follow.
5h47
